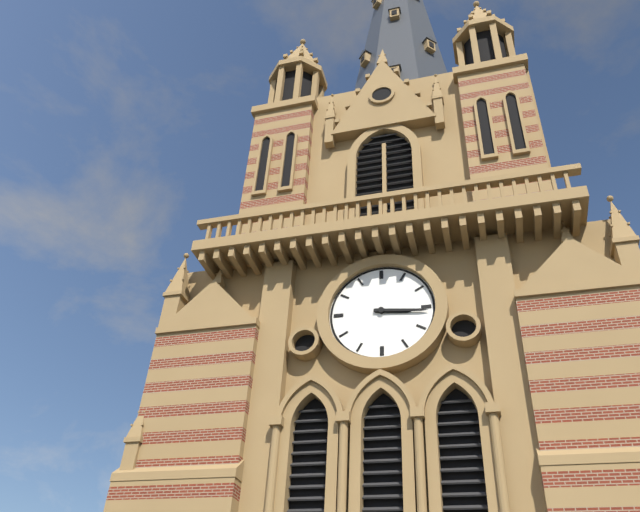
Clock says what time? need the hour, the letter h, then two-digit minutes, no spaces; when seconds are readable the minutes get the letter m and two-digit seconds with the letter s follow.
3h16
